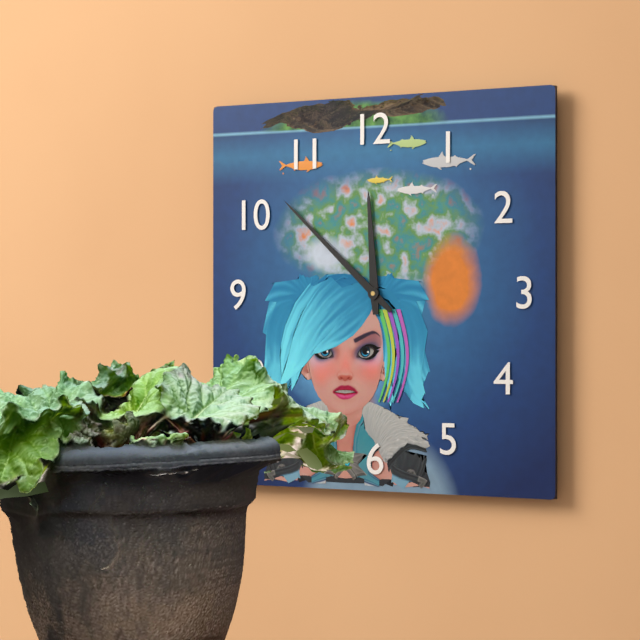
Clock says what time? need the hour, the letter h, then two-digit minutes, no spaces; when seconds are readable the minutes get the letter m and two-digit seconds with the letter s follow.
11h52
